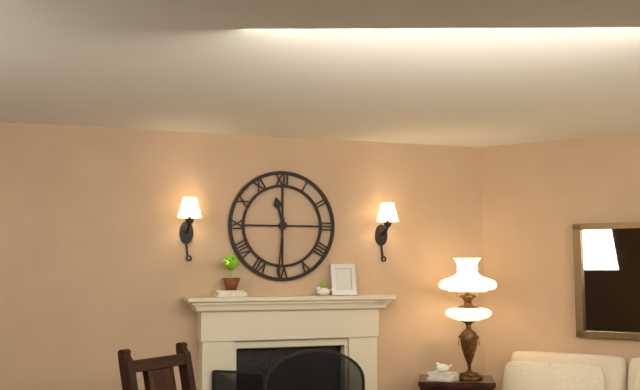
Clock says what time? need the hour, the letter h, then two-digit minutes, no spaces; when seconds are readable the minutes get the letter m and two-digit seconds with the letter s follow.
11h31
